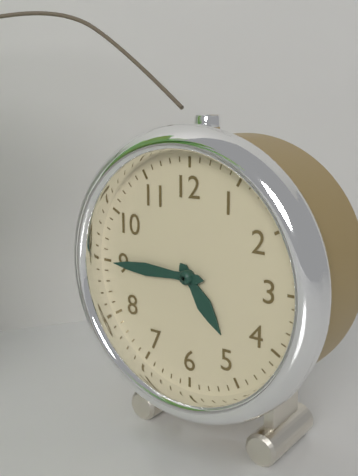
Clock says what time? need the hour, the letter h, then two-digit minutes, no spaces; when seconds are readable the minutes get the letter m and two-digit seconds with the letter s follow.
4h45
